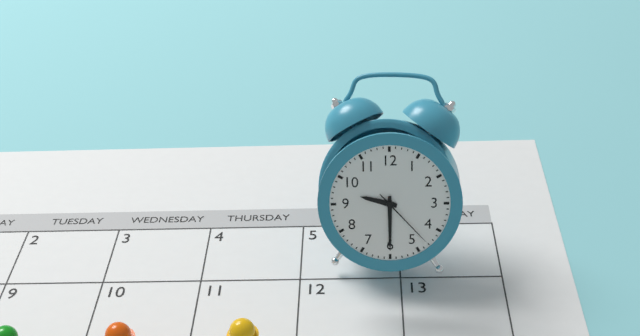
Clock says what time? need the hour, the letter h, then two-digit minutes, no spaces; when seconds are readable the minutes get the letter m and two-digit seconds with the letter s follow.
9h30m23s
